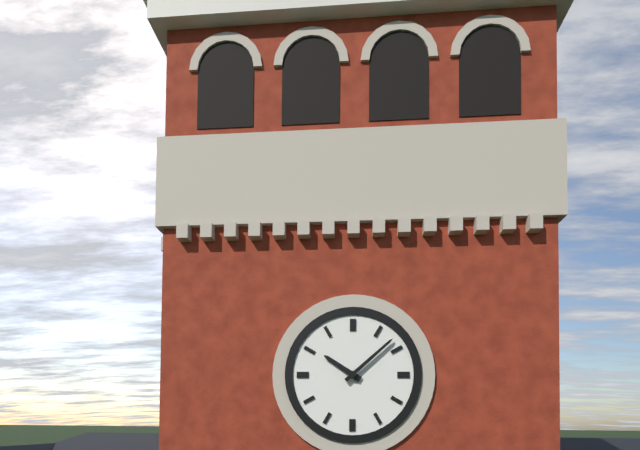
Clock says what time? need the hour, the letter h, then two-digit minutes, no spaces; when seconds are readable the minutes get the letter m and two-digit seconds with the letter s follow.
10h08
